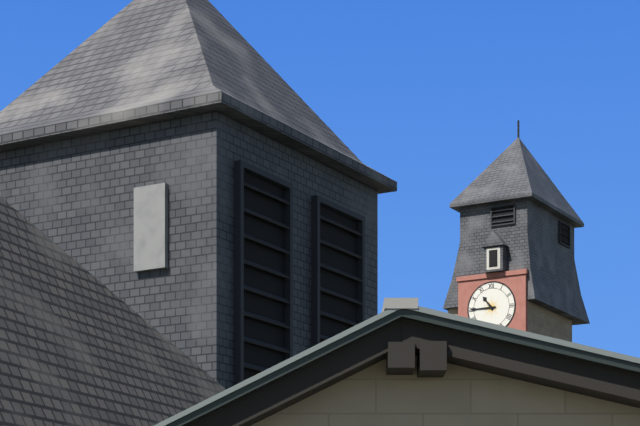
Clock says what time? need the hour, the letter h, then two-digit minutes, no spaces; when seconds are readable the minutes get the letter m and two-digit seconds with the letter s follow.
10h45
